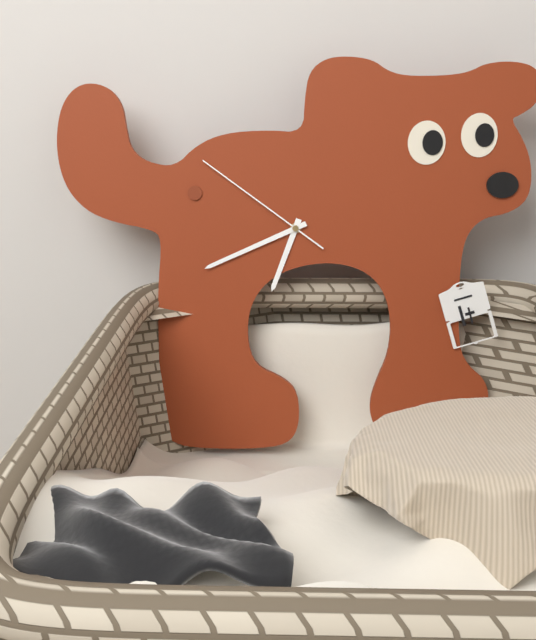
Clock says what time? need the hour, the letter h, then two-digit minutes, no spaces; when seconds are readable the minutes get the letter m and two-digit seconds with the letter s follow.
6h41m51s
